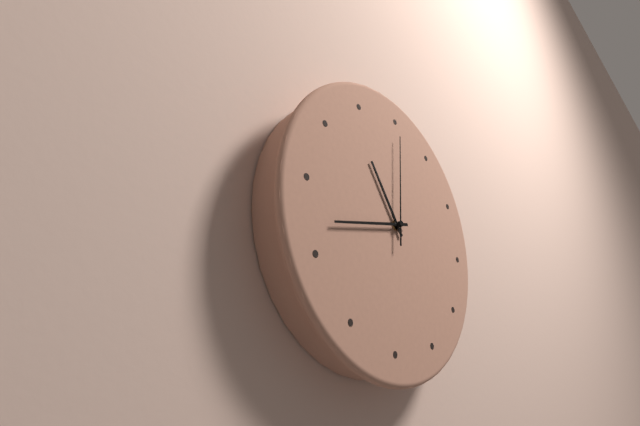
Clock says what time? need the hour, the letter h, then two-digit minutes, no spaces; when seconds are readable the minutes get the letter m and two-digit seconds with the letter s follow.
10h42m00s
